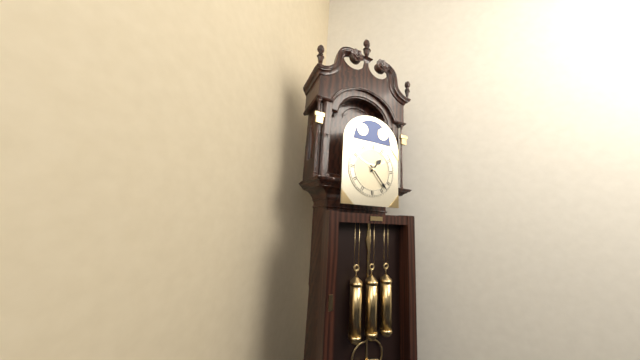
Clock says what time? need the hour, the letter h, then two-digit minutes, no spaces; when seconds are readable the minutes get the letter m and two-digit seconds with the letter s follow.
1h23
